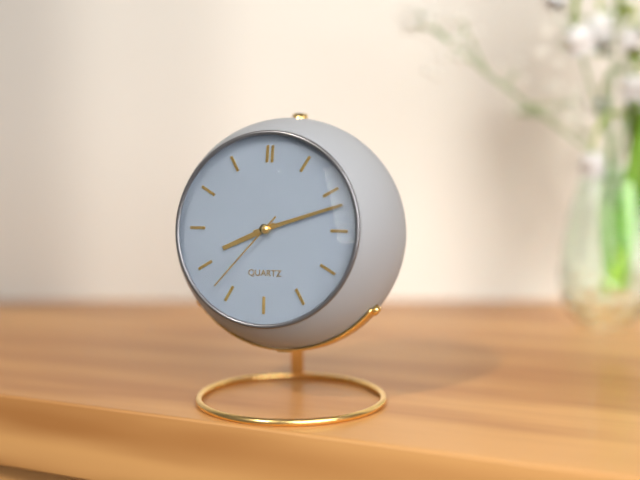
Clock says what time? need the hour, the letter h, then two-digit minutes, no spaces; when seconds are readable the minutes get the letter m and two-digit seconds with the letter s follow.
8h12m37s
